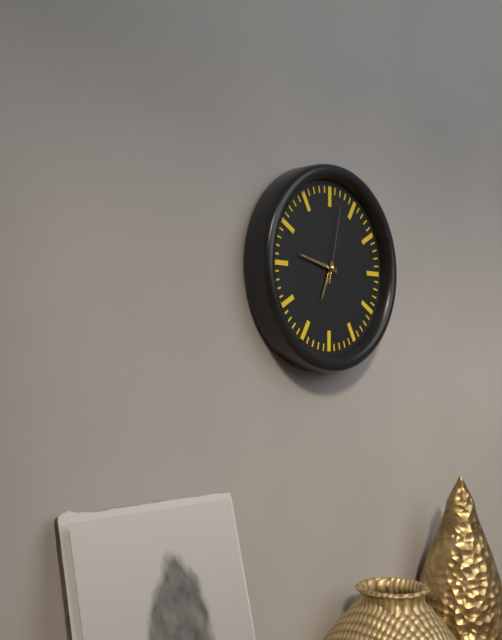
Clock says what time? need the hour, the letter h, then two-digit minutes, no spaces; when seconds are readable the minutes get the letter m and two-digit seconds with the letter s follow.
6h47m02s
